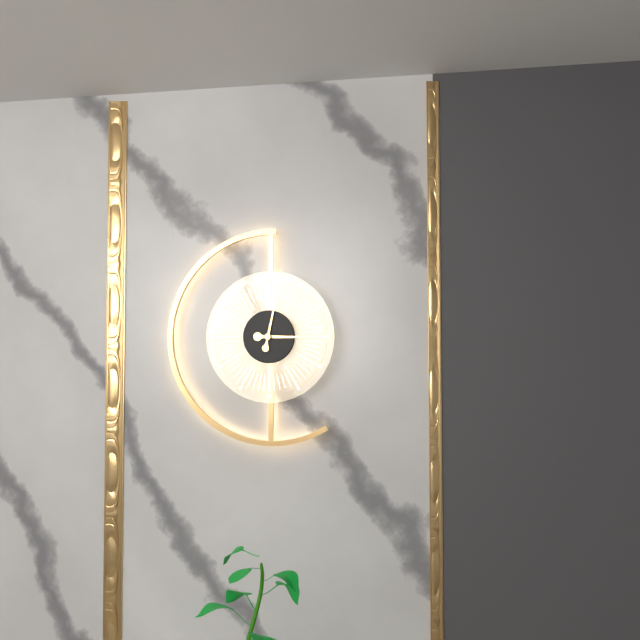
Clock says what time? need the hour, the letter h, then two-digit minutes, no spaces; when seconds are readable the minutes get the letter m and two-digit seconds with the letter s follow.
3h02
